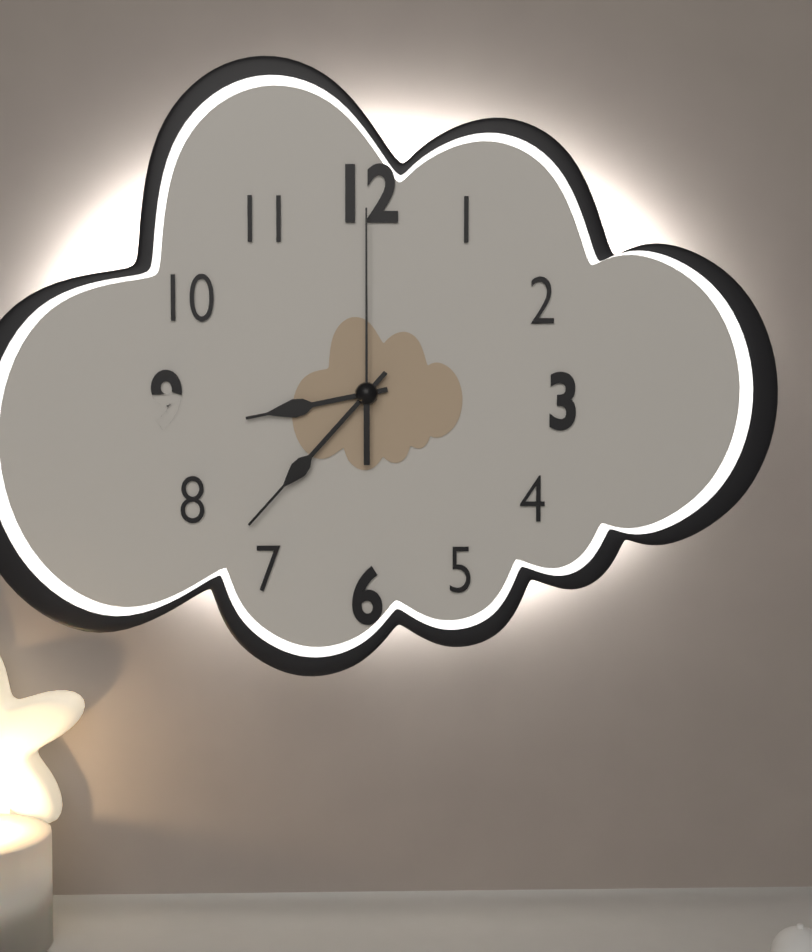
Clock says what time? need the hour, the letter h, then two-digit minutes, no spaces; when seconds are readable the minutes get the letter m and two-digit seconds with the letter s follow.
8h37m00s
